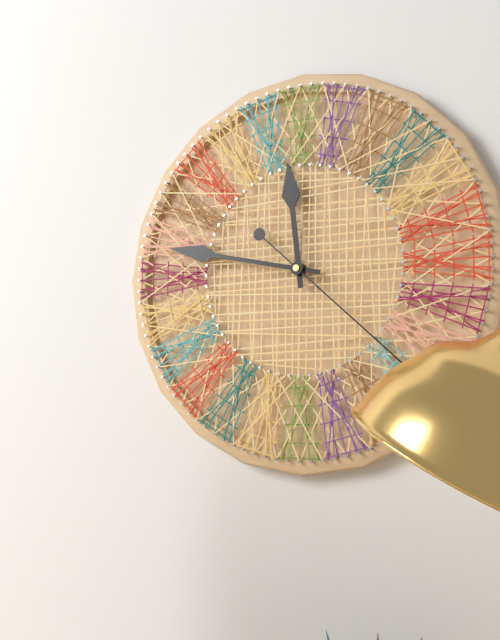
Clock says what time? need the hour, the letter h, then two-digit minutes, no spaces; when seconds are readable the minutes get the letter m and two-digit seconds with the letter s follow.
11h47m22s
